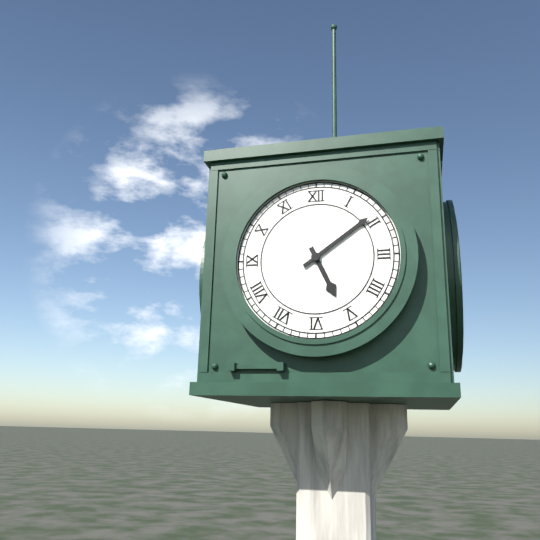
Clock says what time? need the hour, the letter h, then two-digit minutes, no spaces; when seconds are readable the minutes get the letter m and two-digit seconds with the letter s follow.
5h09
